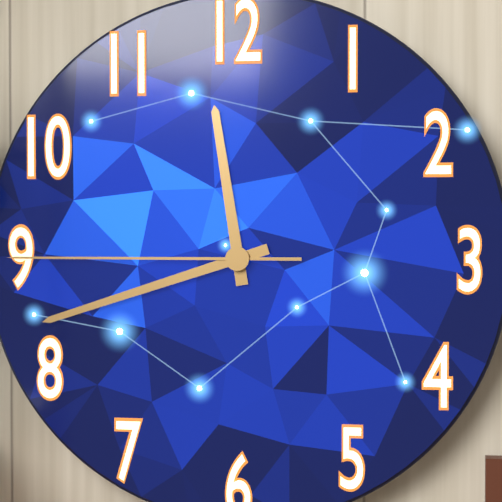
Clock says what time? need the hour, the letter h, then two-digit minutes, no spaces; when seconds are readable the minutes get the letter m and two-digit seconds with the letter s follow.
11h42m45s
